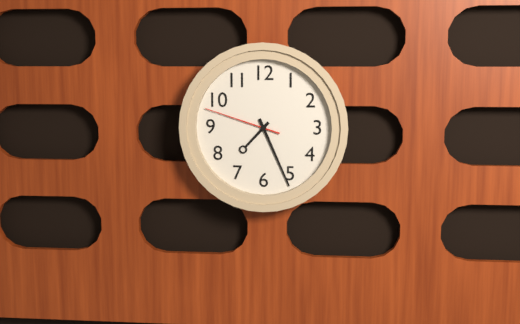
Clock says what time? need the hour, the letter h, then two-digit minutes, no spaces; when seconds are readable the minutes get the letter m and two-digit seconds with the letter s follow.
7h26m48s
